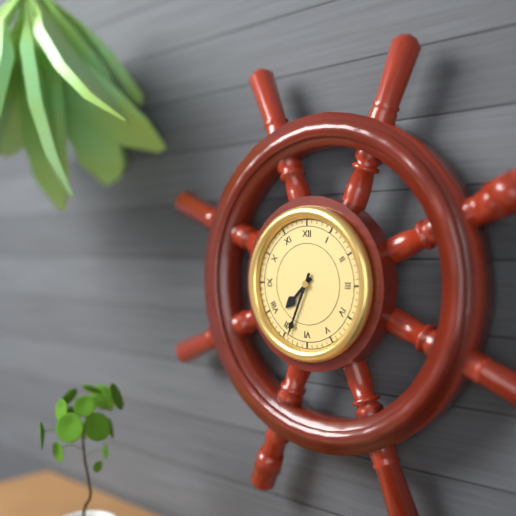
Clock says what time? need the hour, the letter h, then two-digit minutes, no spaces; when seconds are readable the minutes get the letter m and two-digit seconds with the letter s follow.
7h34
